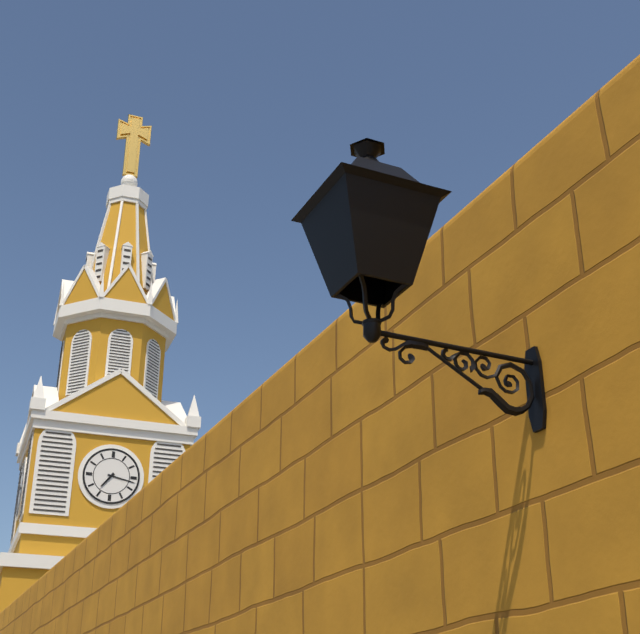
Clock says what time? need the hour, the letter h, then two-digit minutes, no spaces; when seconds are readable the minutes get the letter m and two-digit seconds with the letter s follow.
7h17
